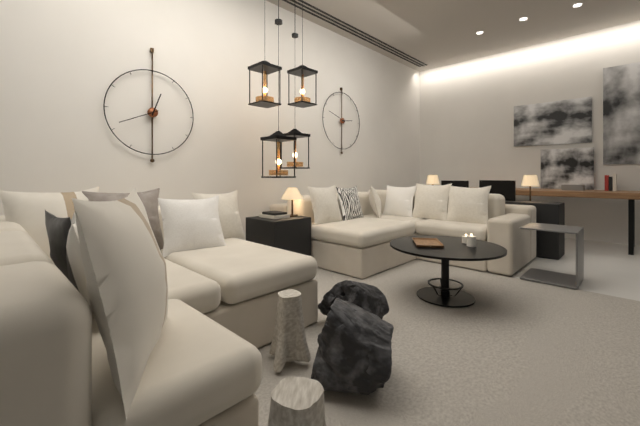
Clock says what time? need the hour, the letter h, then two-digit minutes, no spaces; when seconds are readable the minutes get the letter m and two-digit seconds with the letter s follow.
12h41
